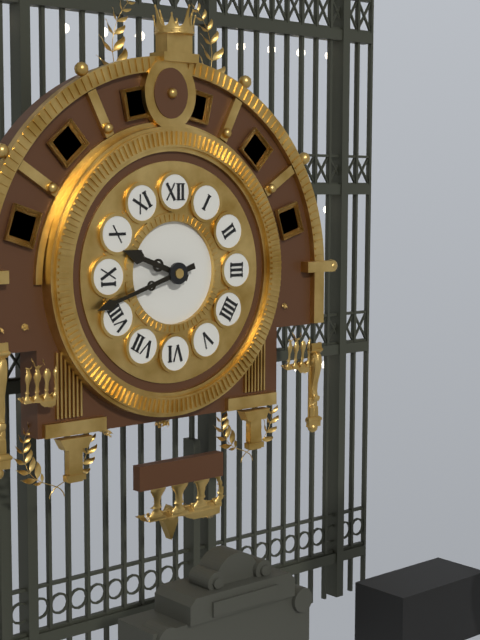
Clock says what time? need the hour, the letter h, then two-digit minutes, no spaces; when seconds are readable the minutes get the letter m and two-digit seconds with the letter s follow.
9h42
